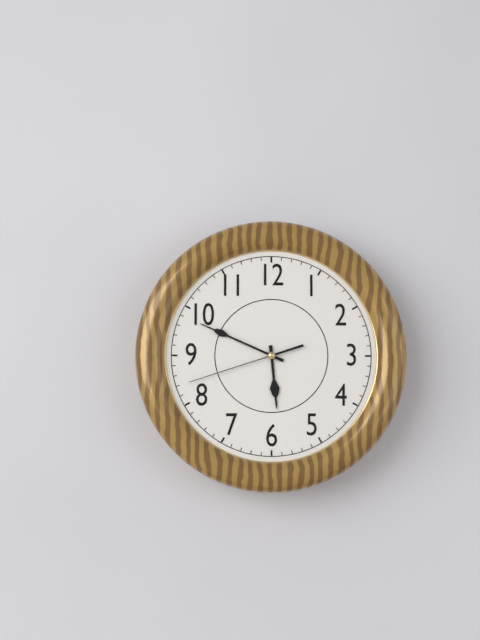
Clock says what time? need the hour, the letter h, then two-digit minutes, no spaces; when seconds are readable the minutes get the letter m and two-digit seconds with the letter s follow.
5h49m42s
